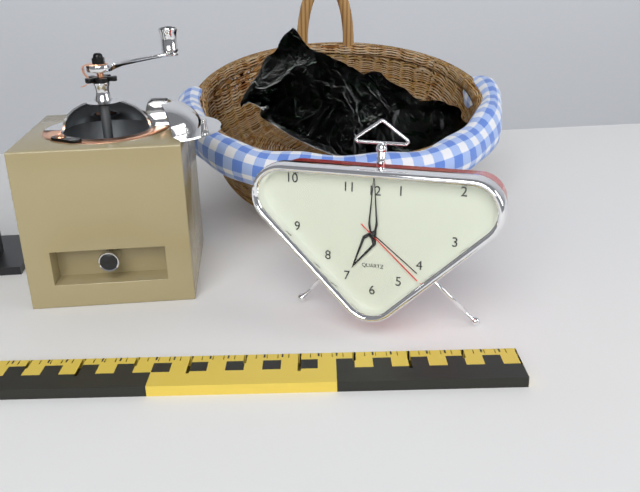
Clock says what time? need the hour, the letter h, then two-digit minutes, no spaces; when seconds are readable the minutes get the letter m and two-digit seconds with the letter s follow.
7h00m22s
